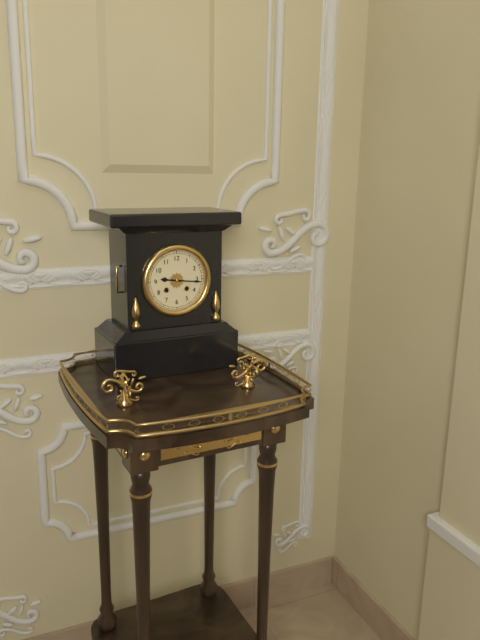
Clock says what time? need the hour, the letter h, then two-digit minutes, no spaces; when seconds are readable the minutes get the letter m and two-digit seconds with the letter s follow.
9h16
